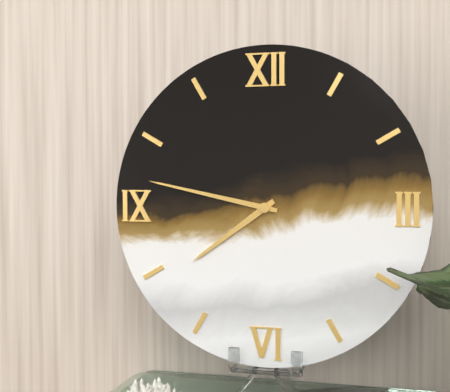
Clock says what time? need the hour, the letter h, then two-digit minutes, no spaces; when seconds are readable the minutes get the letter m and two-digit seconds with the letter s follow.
7h47
